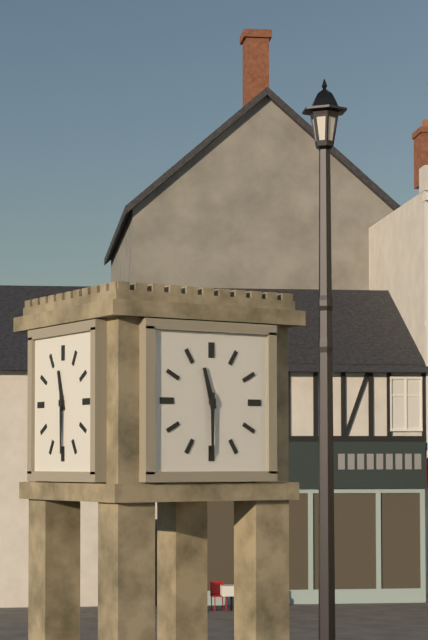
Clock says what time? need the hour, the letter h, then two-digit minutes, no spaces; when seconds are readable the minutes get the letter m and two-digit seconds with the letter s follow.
11h30
